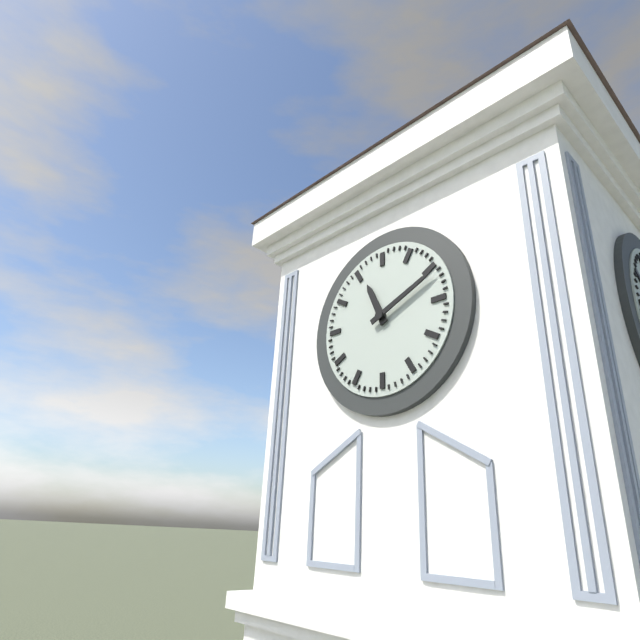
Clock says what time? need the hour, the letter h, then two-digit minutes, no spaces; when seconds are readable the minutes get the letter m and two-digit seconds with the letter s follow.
11h11
